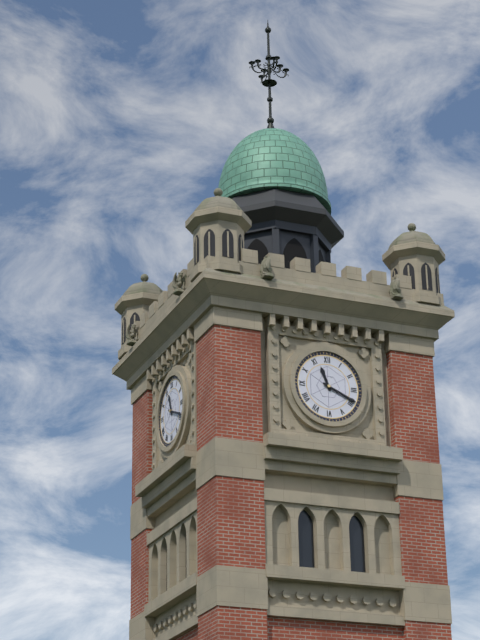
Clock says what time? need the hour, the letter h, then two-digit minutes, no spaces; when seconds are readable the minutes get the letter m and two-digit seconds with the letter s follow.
11h19
